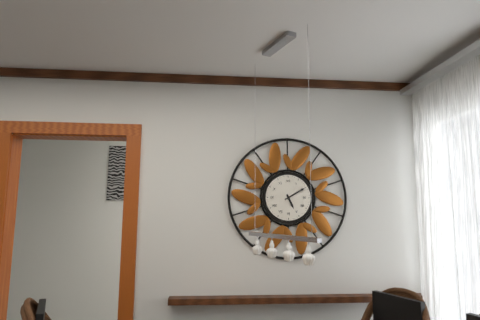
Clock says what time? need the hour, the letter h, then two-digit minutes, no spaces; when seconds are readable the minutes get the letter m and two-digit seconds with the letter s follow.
5h10
